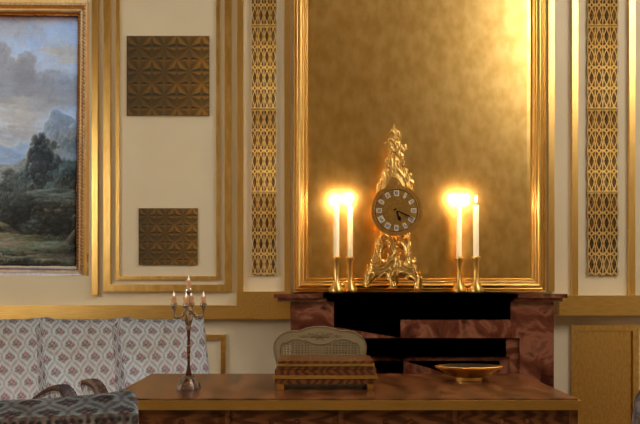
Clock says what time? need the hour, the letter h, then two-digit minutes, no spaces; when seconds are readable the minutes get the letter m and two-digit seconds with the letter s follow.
5h19
